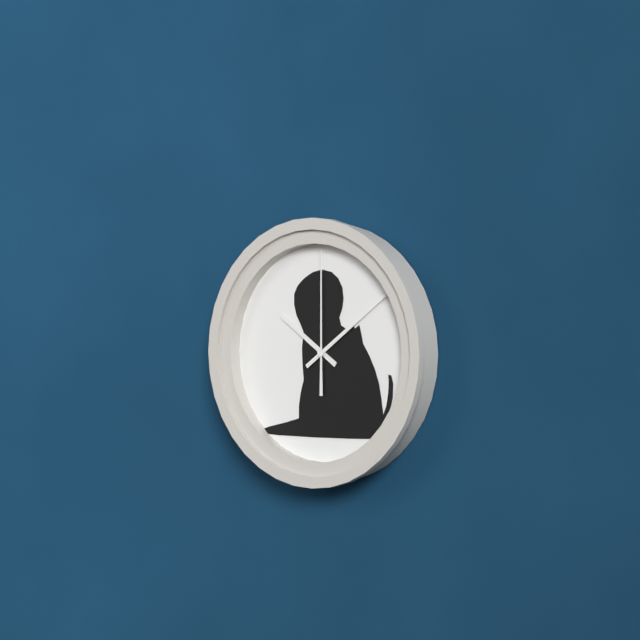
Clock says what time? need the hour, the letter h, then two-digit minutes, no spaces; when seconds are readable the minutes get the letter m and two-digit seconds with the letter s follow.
10h09m00s
